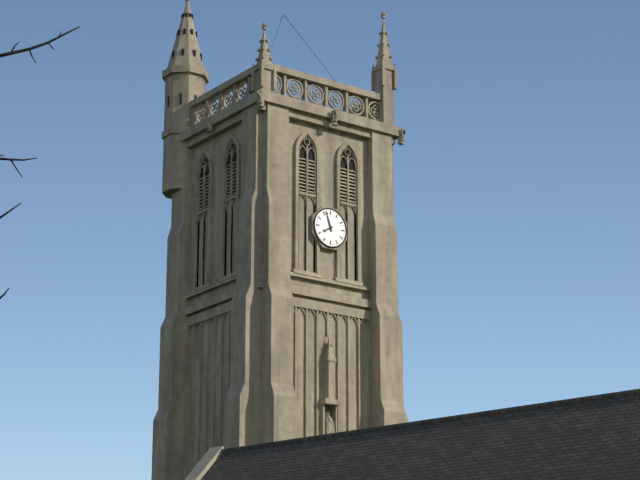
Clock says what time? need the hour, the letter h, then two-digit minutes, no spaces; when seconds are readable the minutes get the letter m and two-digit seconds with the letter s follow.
7h57
